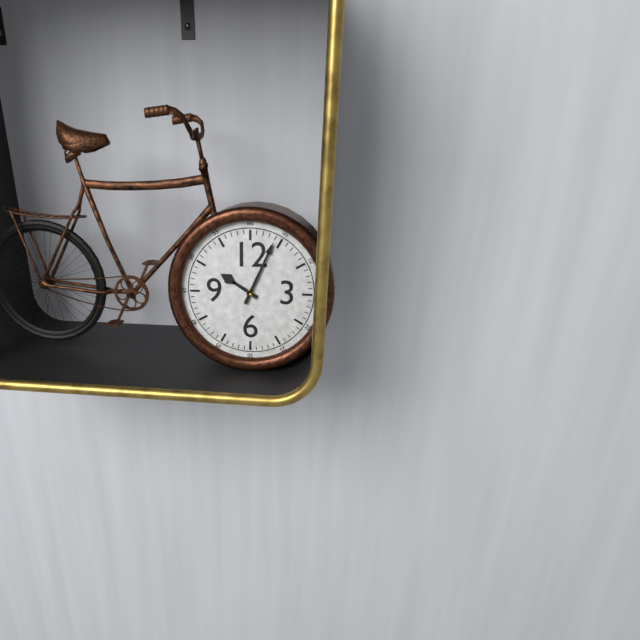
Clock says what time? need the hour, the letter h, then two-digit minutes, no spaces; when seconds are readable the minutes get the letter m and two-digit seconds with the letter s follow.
10h04
